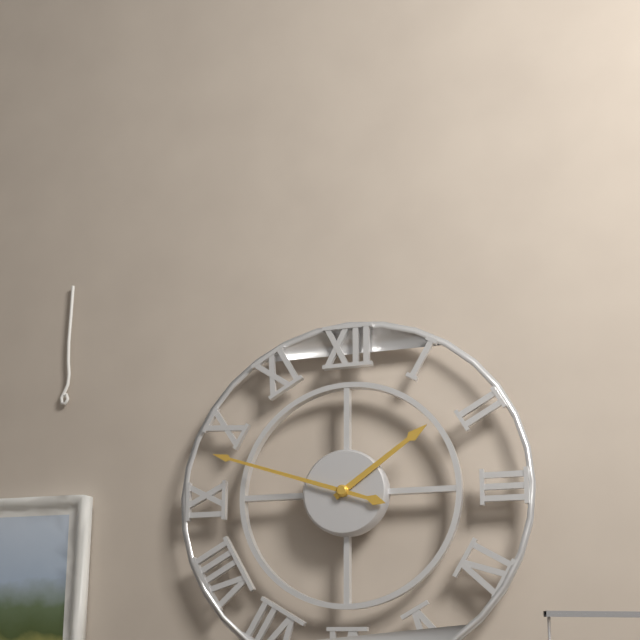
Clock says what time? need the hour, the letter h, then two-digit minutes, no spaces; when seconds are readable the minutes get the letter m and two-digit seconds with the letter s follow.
1h48
